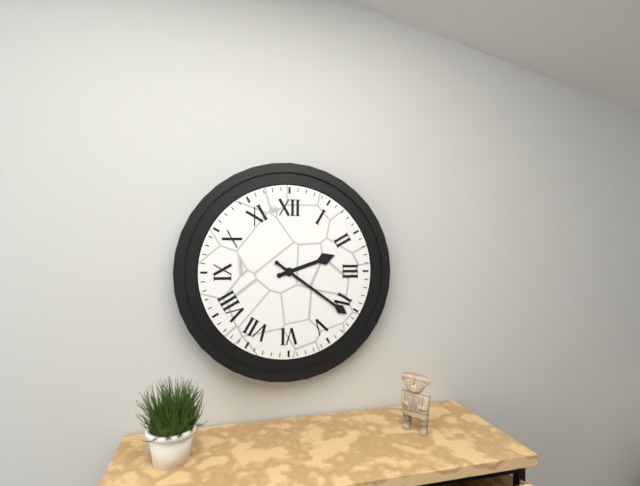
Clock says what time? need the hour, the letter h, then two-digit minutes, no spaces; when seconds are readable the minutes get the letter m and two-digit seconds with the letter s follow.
2h21
